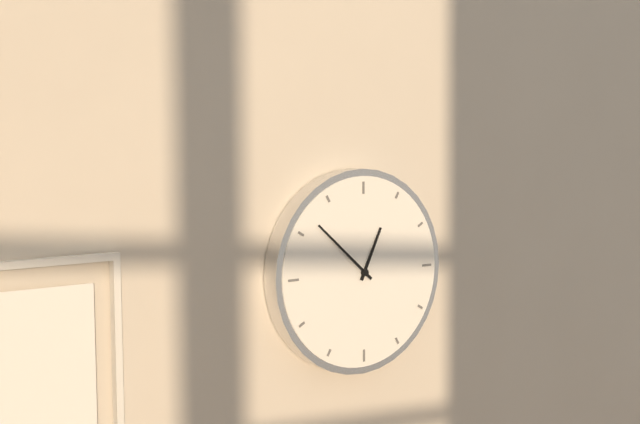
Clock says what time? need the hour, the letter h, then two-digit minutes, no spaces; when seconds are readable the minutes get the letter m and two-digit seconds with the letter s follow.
12h52
